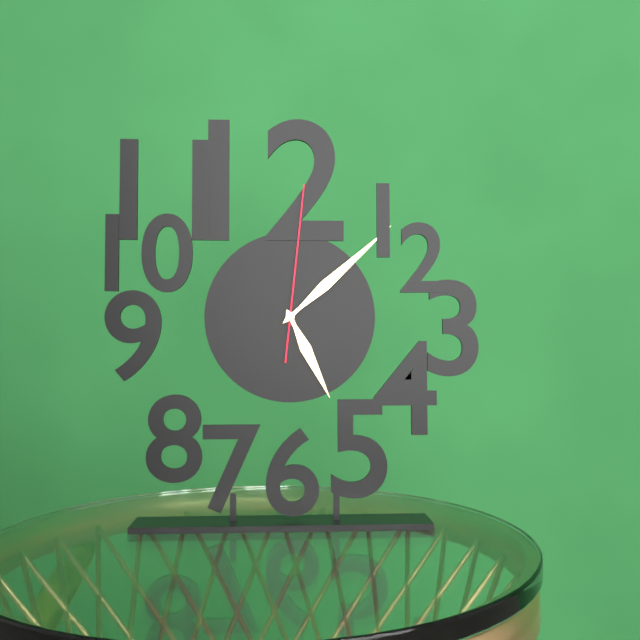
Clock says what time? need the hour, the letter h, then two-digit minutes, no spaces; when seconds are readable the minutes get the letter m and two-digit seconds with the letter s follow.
5h08m01s
